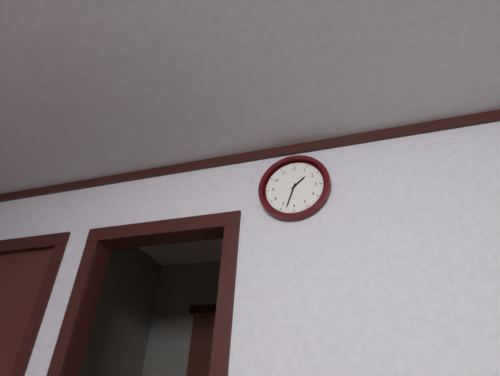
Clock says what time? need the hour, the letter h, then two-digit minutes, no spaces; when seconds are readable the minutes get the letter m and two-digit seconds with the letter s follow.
1h33
